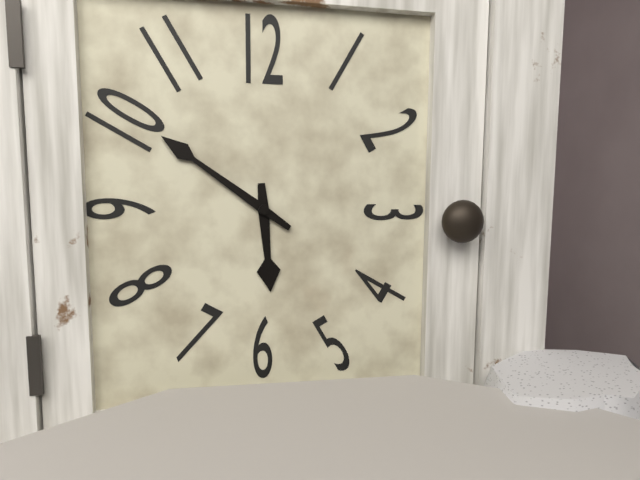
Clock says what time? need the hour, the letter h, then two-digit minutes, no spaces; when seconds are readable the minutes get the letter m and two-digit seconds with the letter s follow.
5h51
